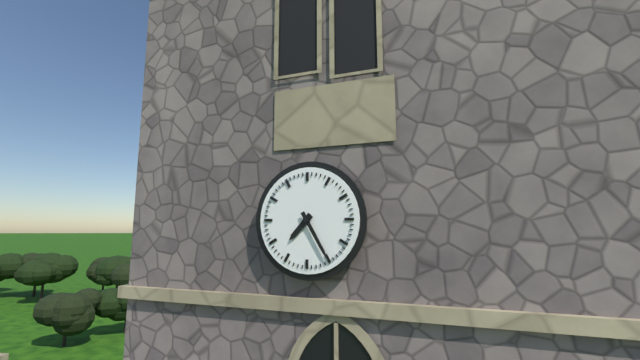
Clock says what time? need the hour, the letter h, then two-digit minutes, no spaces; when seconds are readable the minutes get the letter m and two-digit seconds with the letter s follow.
7h25
